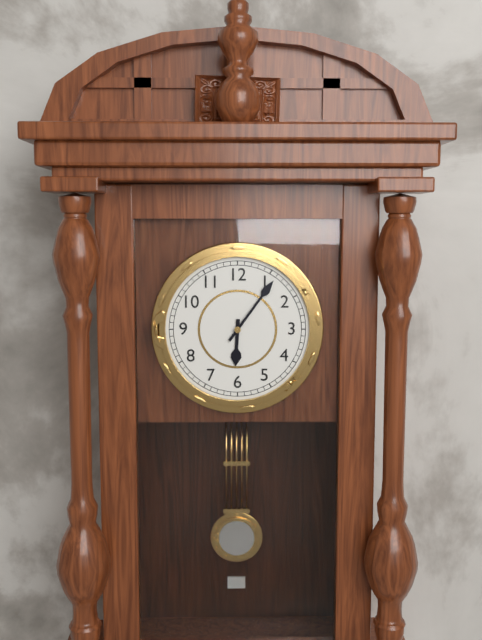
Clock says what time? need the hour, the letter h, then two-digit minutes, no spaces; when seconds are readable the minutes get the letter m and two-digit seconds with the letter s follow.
6h06
